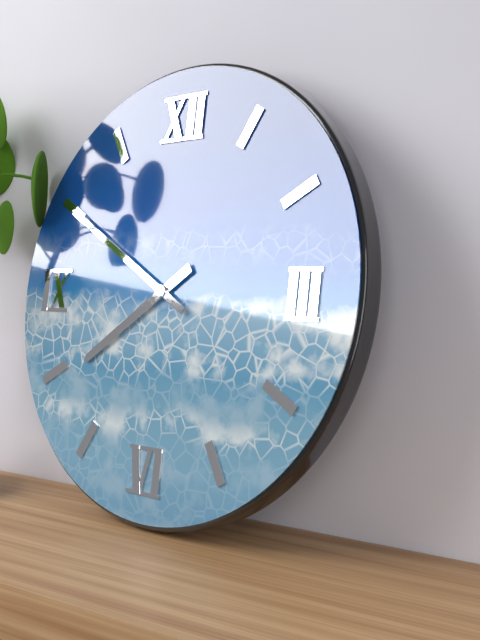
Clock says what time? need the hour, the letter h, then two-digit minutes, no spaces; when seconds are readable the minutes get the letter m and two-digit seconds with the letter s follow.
7h50
